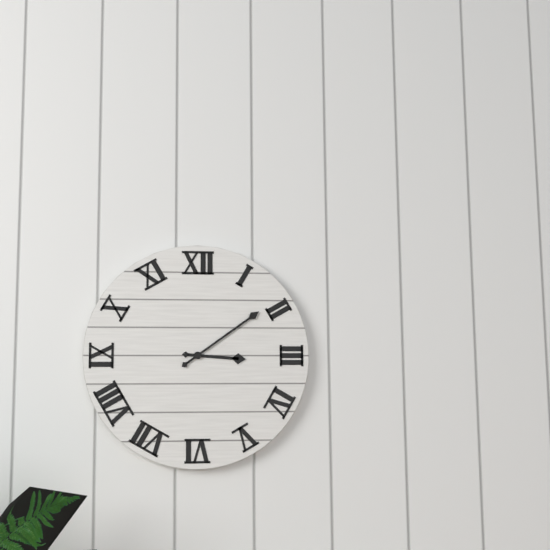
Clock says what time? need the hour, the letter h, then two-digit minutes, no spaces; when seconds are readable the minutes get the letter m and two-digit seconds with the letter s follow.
3h09
